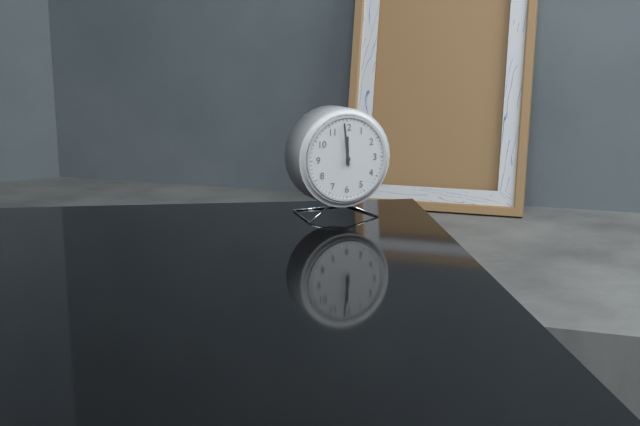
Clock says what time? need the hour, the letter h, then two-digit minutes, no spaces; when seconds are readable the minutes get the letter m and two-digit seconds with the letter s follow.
11h59
